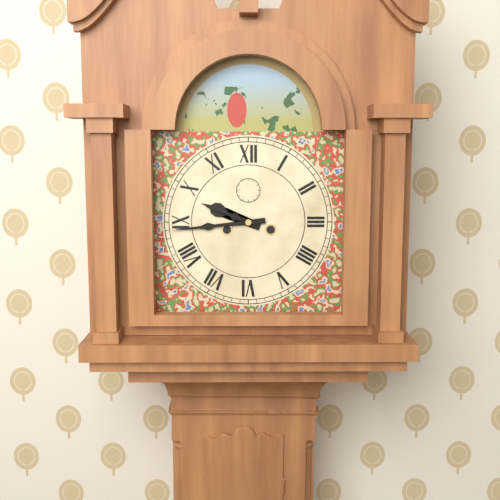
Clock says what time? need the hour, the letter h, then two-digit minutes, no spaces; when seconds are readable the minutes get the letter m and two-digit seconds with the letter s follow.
9h44
